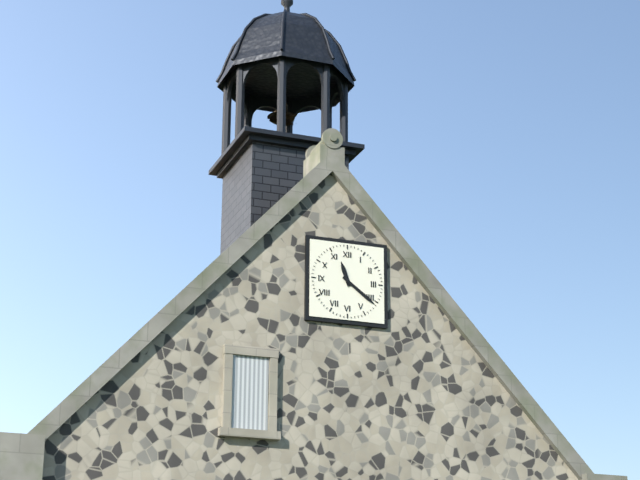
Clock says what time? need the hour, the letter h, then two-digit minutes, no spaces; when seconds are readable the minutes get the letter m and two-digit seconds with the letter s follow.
11h21
